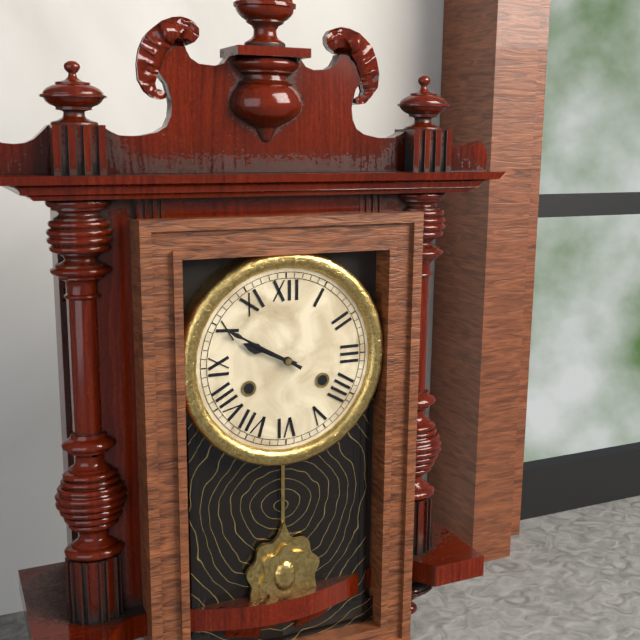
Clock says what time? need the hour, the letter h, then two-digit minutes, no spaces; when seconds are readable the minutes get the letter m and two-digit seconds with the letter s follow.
9h50
